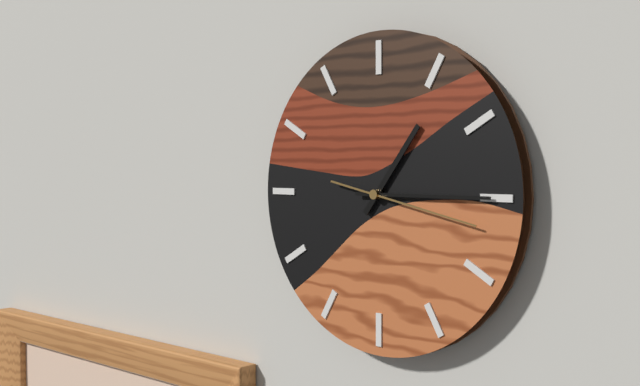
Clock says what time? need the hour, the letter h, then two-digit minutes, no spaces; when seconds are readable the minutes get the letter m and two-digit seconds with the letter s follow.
1h15m17s
